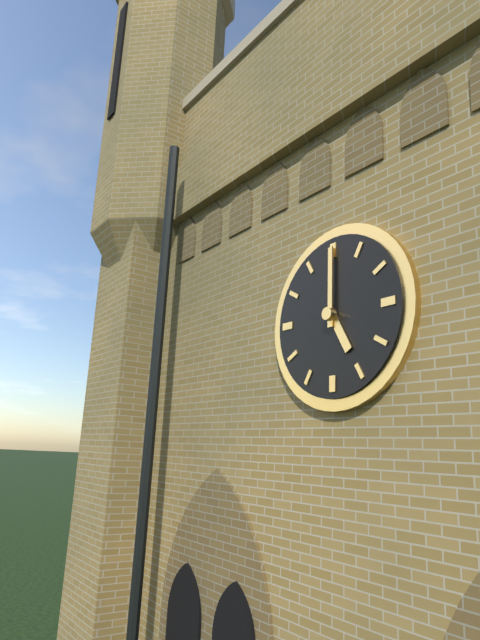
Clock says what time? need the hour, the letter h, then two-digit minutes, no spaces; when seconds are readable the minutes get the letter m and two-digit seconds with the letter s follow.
5h00
